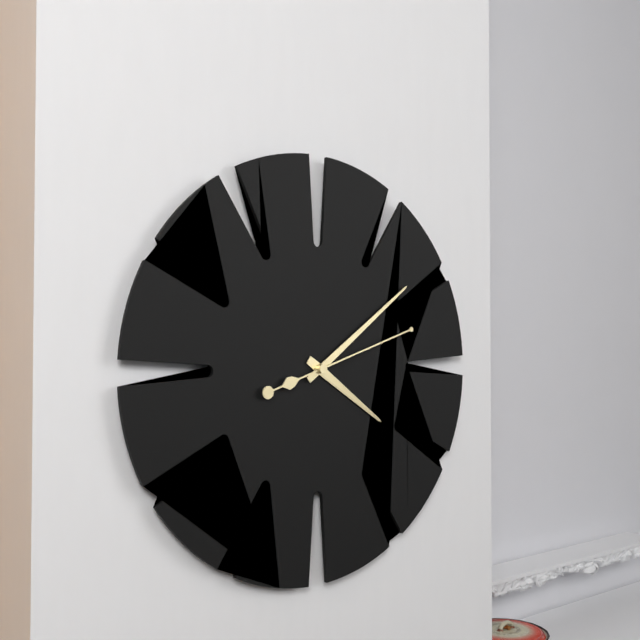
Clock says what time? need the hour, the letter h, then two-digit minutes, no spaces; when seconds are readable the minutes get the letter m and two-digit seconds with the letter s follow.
4h09m12s
